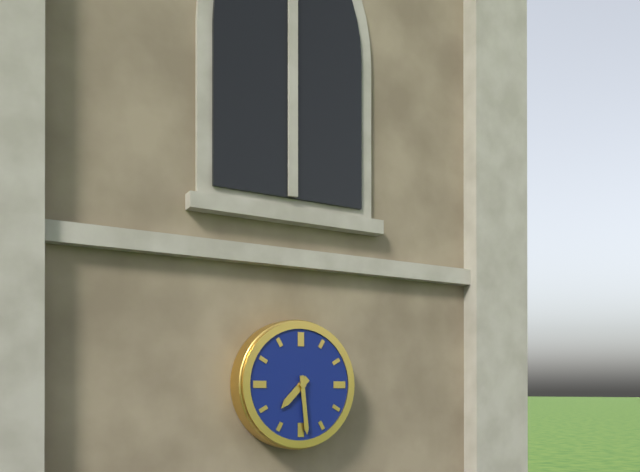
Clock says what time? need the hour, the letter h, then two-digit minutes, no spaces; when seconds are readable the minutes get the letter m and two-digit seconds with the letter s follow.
7h29
